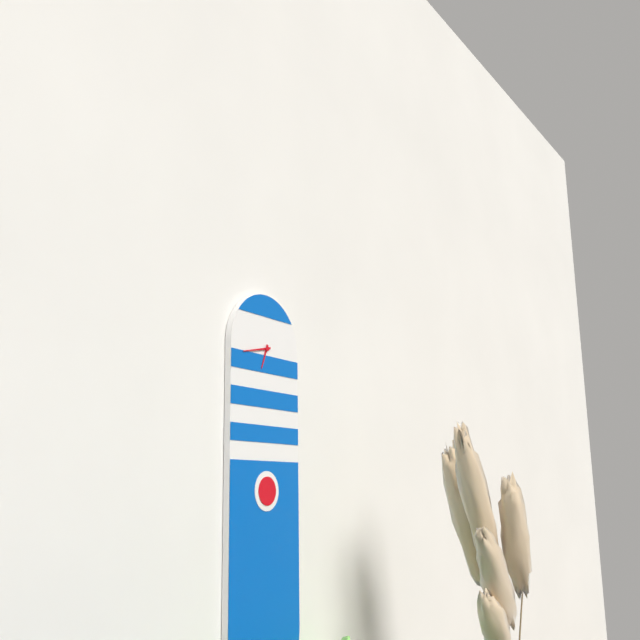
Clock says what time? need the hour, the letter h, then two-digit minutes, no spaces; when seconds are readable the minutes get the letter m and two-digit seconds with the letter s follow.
6h43
